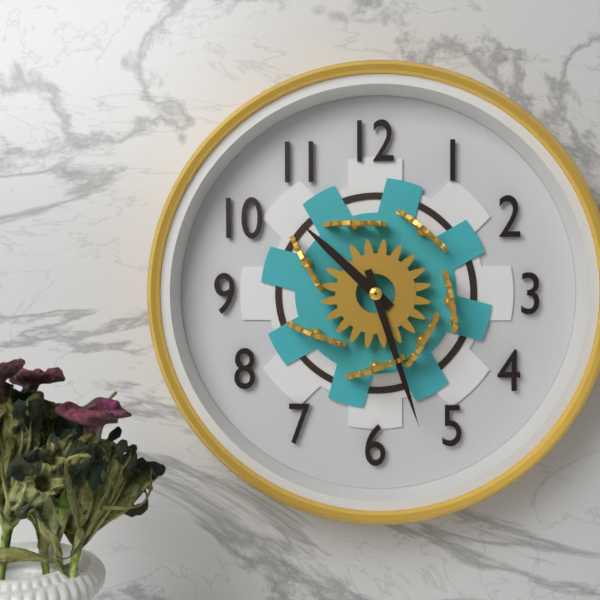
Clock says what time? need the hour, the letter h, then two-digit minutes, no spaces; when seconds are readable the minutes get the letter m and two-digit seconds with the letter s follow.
10h27
